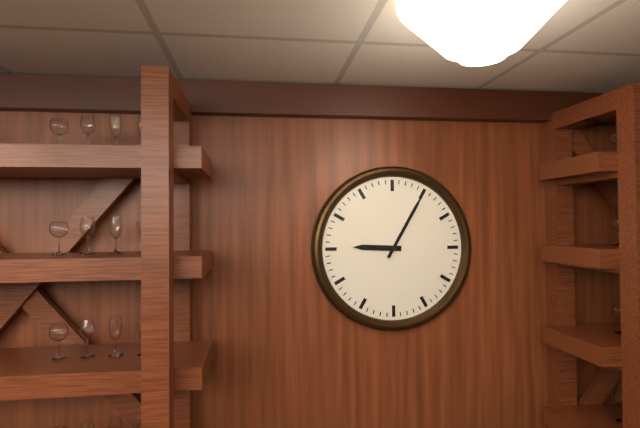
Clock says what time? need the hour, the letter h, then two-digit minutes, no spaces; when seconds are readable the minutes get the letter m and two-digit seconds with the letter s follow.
9h05
